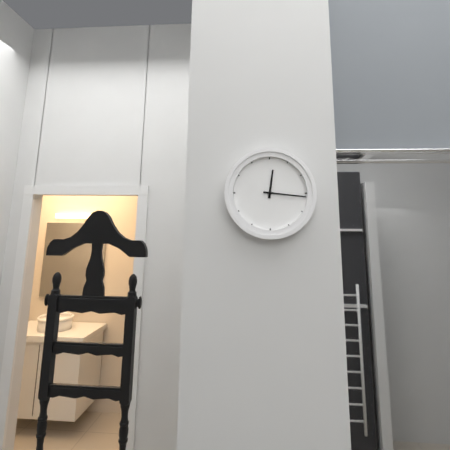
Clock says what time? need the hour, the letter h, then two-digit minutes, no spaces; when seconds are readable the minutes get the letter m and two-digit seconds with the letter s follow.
12h16
